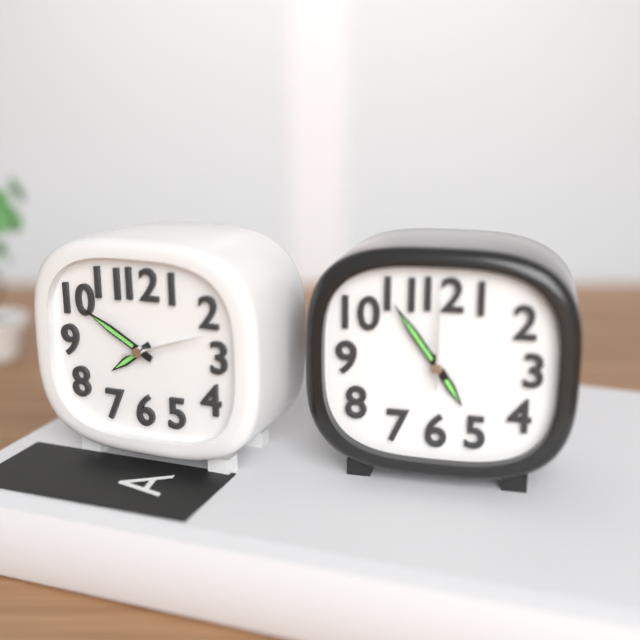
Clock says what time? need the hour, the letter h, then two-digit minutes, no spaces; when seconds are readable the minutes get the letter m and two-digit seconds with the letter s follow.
7h50m12s
